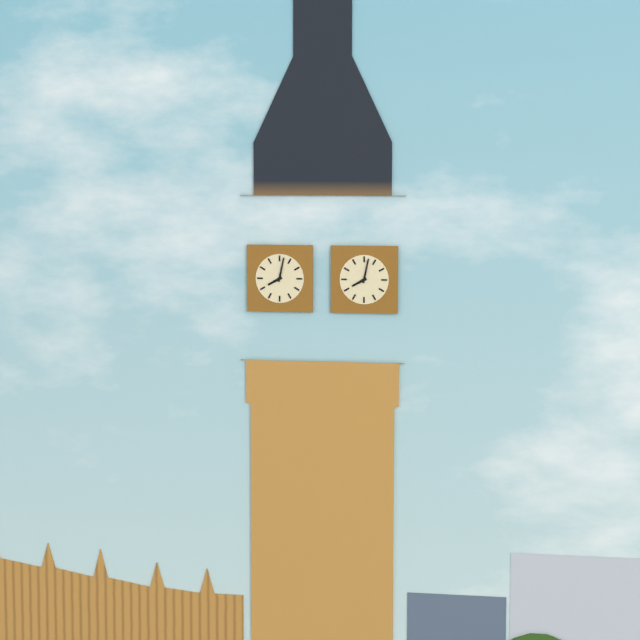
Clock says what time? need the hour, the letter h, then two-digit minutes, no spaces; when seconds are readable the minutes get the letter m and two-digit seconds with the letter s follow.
8h02
